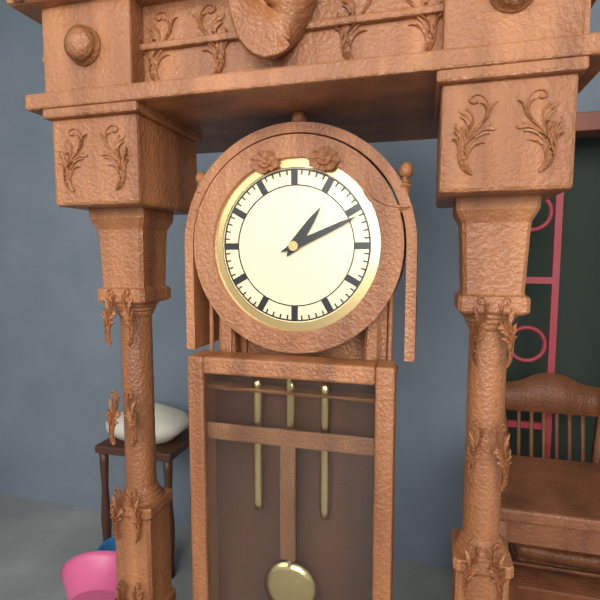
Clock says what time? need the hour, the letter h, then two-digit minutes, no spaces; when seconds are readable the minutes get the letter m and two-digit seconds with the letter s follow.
1h11
